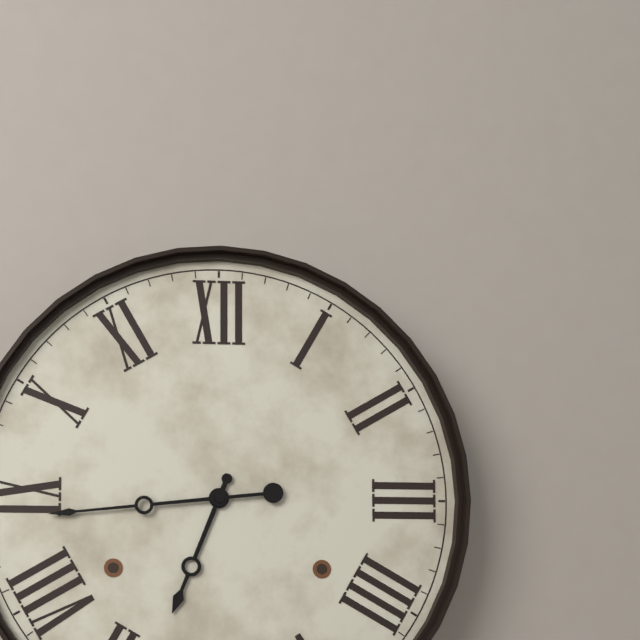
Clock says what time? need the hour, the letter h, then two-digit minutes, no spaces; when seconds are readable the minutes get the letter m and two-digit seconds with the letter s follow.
6h44
